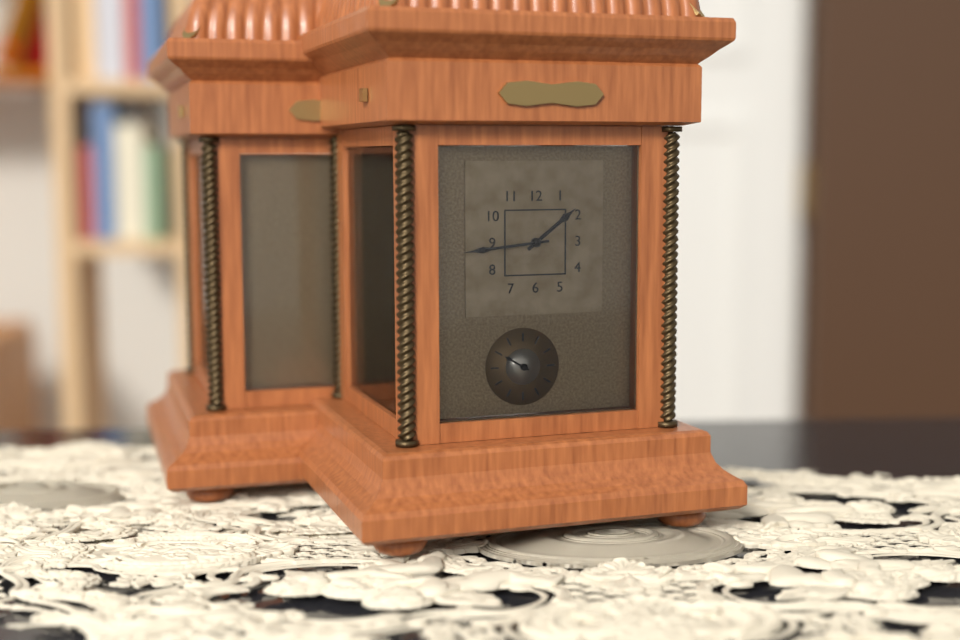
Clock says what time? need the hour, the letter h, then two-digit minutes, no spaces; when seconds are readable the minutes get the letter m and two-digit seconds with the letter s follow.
1h44
